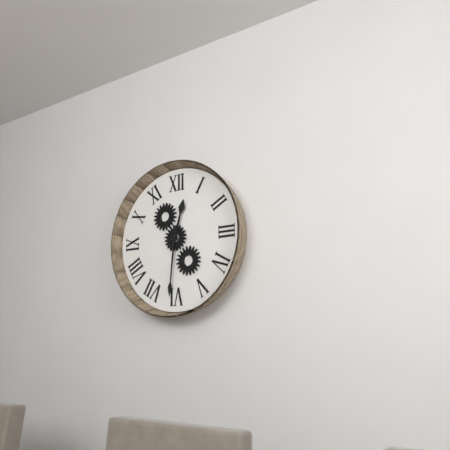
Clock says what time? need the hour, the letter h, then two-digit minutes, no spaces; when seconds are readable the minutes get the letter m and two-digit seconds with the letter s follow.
12h31
